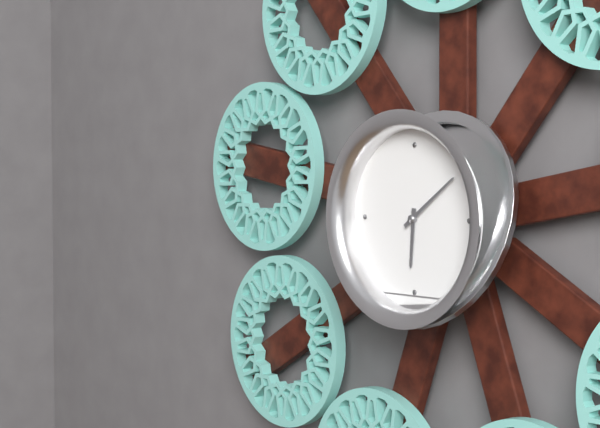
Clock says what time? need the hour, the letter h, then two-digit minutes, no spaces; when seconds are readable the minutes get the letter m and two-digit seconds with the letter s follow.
6h09
